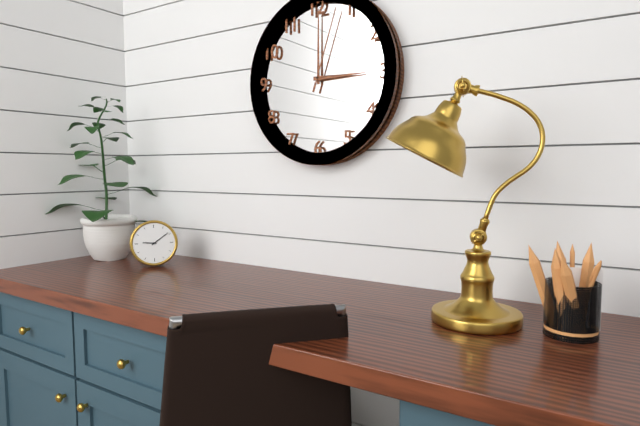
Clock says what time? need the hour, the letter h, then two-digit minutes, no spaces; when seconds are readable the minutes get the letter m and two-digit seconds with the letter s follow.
9h09
